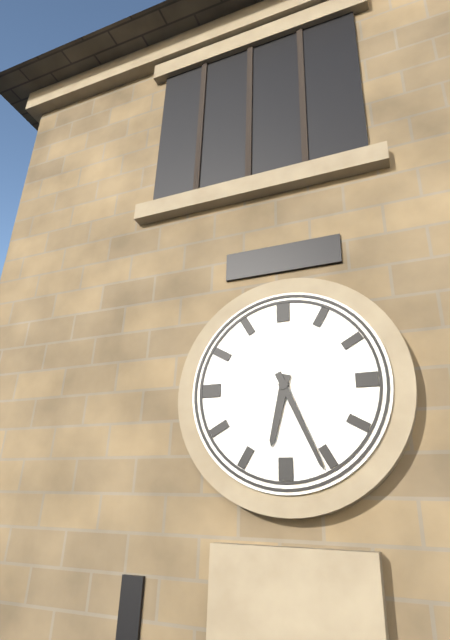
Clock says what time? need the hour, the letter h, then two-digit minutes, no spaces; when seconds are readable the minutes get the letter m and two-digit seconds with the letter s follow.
6h26
